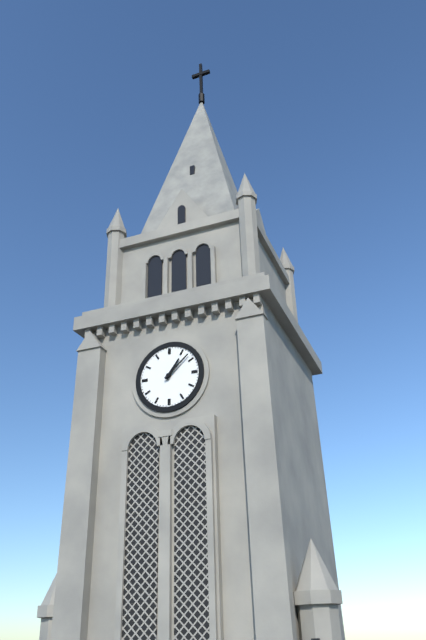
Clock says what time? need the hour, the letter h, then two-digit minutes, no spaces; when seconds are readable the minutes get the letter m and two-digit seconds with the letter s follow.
1h08
